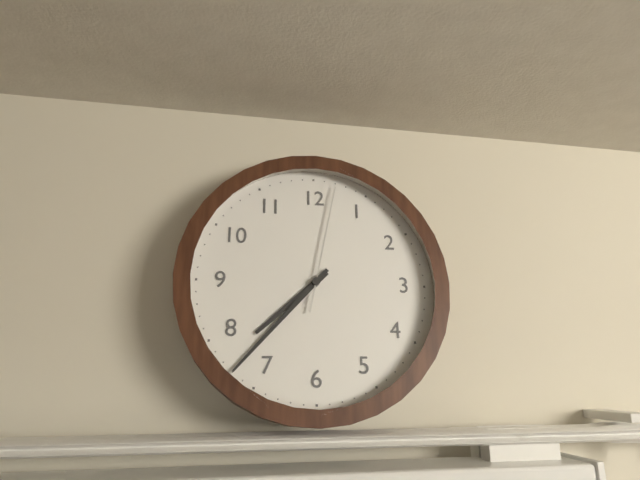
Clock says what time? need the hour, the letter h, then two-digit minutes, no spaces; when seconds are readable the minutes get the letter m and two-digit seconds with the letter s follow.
7h37m02s
